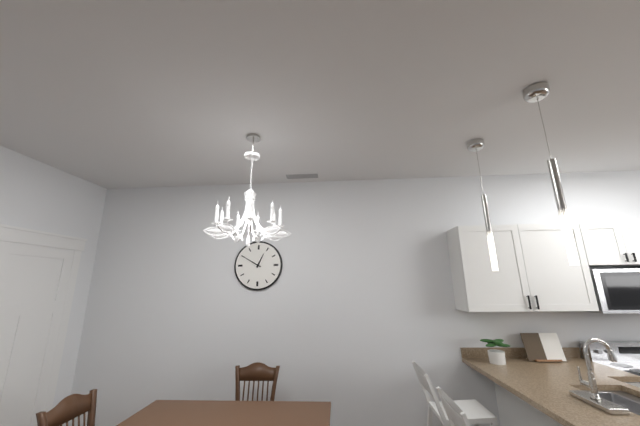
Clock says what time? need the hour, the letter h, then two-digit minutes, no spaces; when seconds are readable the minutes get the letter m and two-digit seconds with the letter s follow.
12h50
